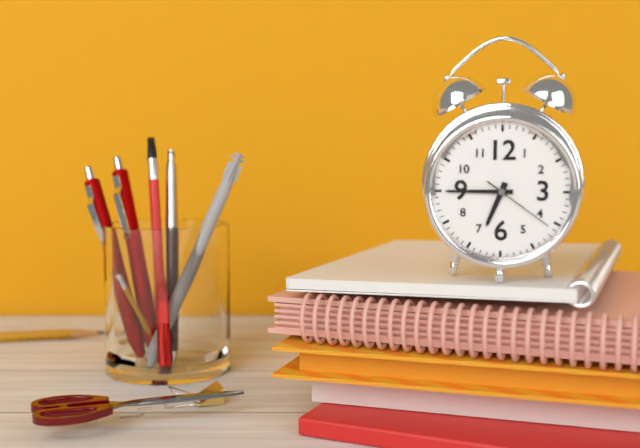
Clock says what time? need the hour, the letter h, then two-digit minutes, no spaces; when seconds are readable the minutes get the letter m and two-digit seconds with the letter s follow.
6h45m21s
